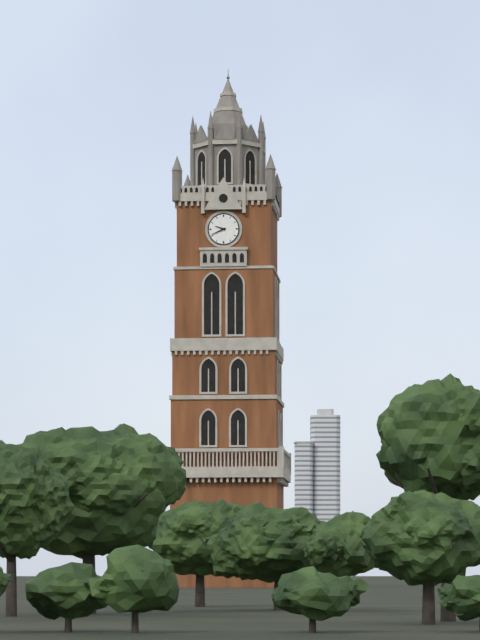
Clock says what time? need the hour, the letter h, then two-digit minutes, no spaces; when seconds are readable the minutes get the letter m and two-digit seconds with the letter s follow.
9h41
